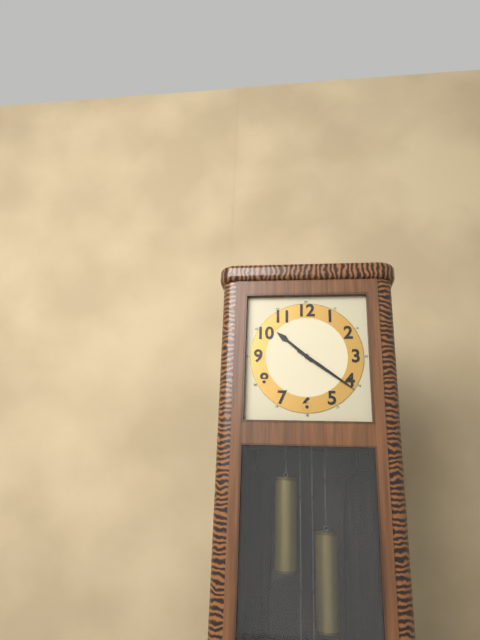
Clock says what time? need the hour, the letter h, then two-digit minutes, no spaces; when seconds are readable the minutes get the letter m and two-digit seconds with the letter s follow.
10h21
